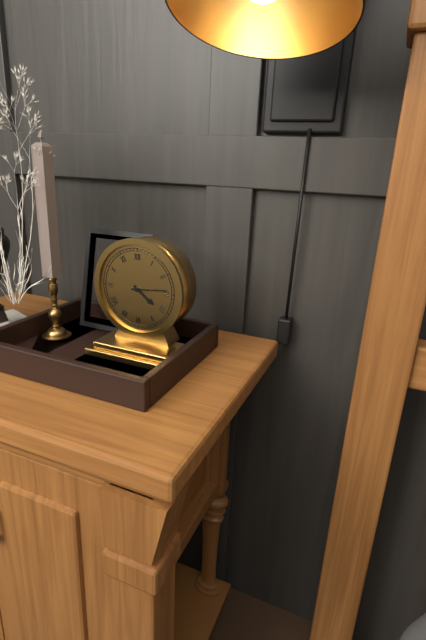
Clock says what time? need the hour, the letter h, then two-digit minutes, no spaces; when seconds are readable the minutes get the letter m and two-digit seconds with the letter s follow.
4h14
